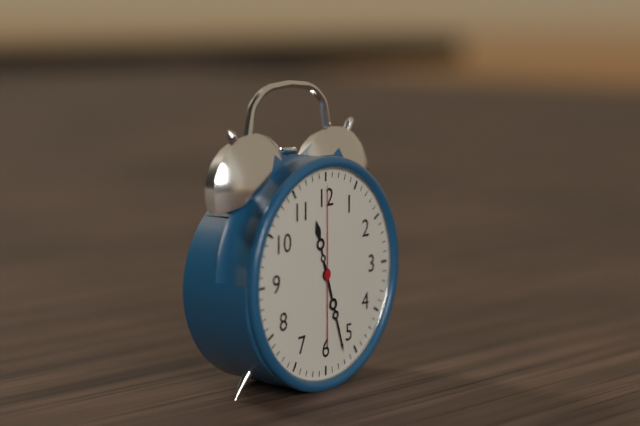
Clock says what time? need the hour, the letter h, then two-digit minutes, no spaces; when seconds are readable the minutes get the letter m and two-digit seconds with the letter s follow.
11h27m00s
